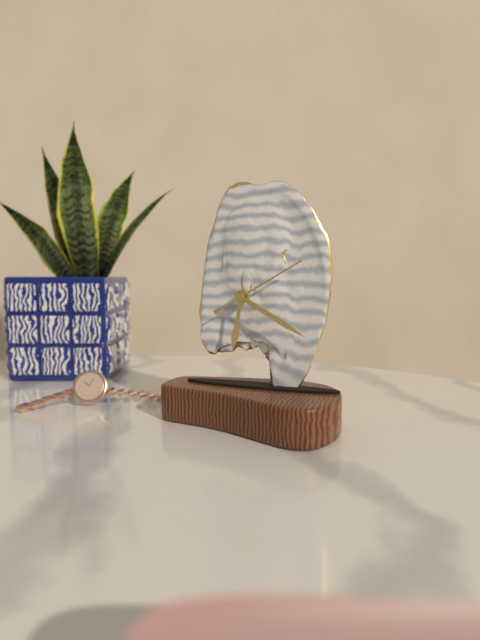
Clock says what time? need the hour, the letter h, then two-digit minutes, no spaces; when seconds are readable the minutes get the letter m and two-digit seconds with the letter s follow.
6h20m10s
